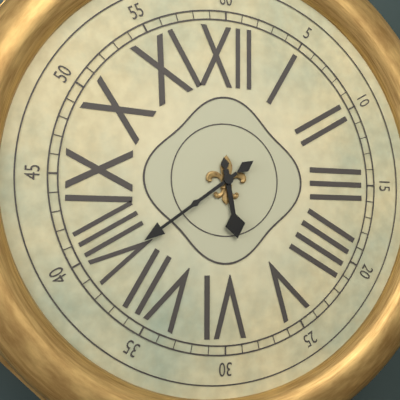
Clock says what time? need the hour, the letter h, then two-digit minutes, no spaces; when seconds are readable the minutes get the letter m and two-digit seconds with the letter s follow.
5h39
